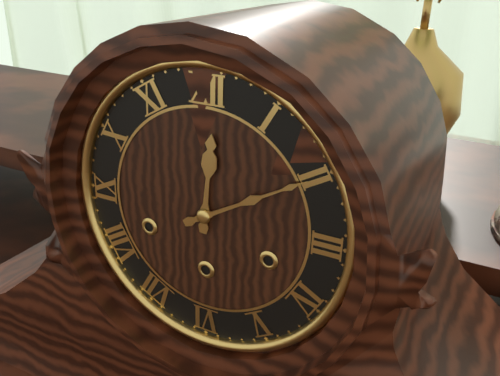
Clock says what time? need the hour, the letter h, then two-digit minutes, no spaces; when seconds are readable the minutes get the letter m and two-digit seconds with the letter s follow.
12h10
